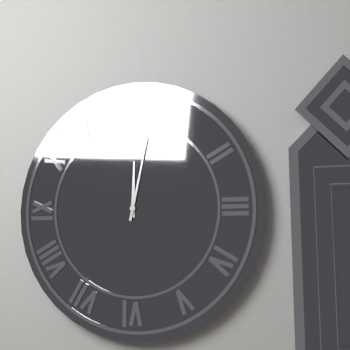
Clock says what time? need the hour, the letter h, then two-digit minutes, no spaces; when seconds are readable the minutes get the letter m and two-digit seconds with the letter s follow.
12h02
